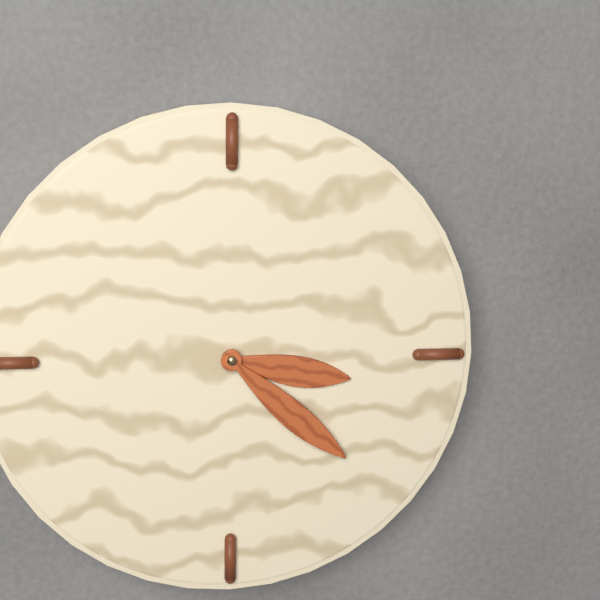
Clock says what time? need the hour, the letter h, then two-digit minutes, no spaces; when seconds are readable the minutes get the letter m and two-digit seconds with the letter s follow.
3h22
